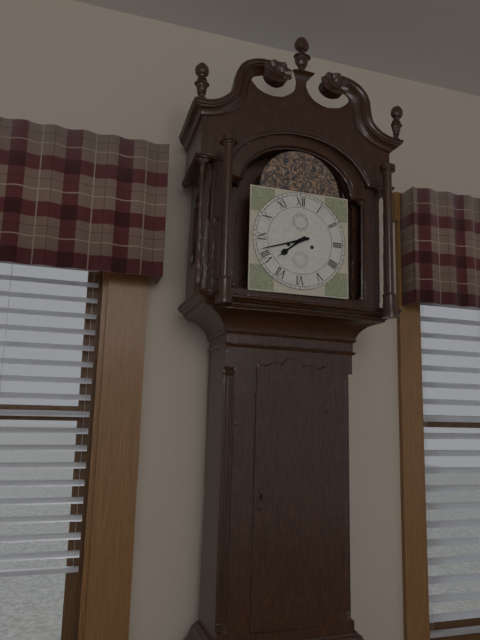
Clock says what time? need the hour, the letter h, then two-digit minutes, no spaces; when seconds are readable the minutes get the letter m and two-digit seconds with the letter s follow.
7h42
